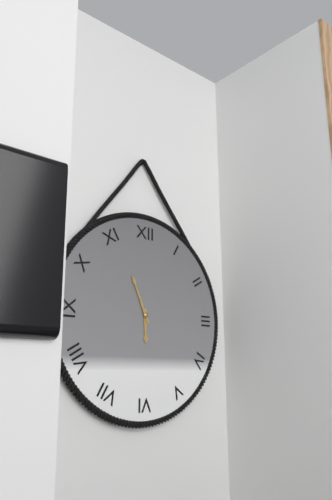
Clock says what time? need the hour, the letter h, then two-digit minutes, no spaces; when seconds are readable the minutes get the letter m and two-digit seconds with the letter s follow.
5h56
